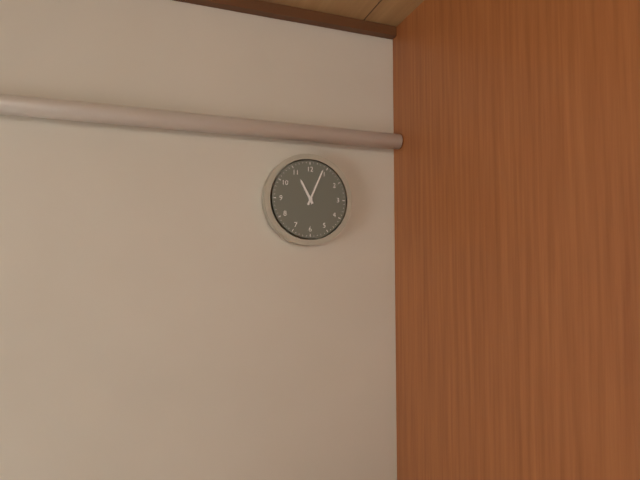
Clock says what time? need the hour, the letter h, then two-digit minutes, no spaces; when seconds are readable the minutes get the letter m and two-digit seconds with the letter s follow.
11h04
